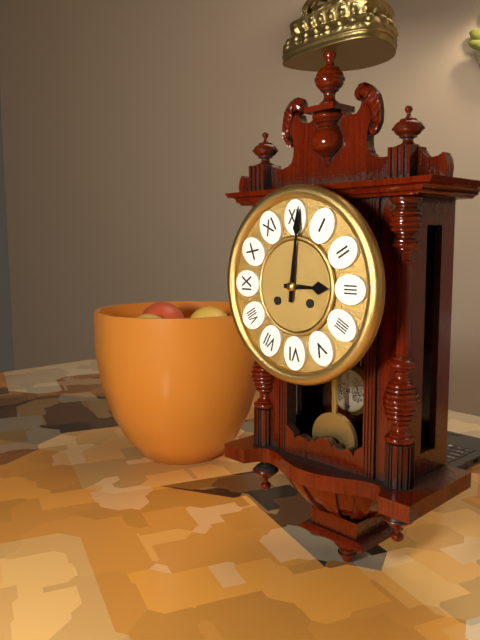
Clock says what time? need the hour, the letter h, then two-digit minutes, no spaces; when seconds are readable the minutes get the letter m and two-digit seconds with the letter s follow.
3h01
